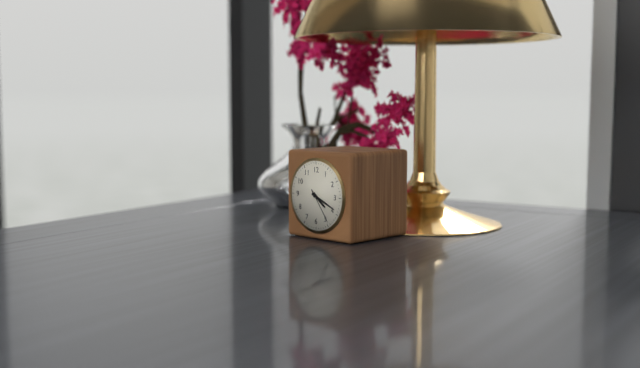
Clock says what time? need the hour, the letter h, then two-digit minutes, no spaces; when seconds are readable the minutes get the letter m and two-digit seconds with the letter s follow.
4h19
